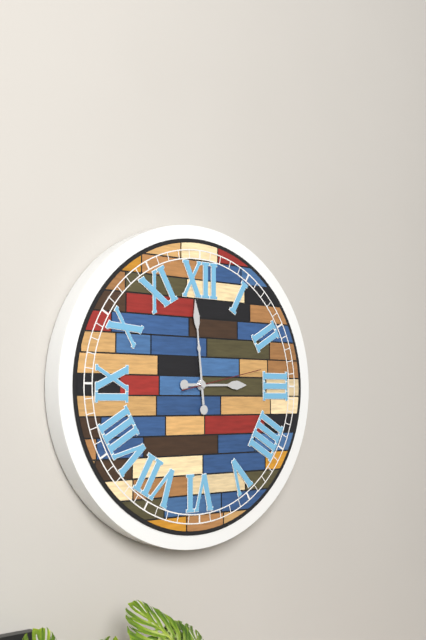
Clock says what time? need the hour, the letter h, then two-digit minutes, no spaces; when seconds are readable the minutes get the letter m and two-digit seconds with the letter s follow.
2h59m13s
